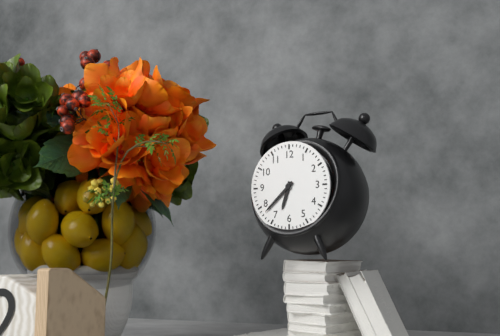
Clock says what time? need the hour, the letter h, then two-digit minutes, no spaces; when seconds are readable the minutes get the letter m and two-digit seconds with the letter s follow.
6h38
